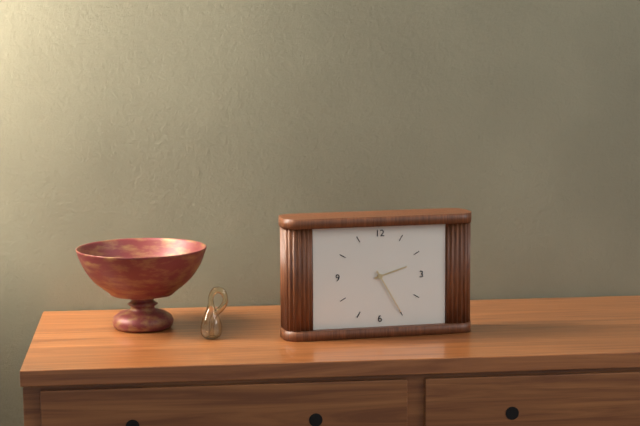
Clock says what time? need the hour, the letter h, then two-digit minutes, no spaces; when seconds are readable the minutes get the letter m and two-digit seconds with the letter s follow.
2h25
